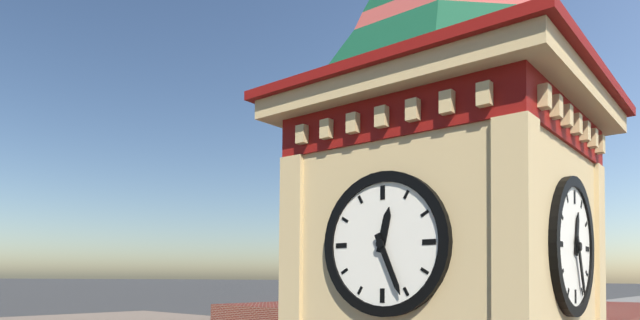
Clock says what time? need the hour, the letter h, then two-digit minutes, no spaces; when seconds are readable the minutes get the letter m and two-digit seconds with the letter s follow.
12h26
